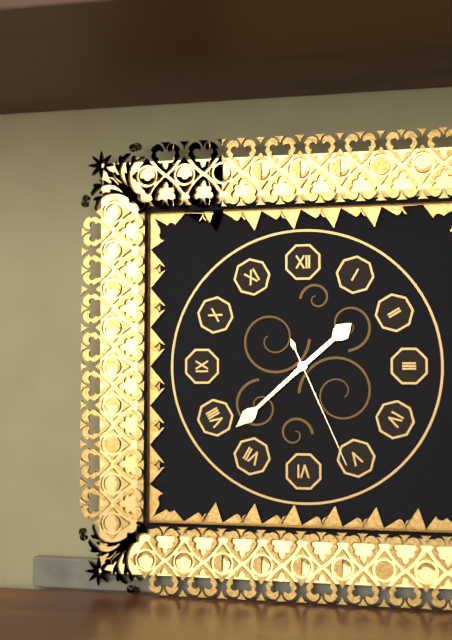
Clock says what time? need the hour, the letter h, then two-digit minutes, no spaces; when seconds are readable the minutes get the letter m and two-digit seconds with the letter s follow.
1h38m26s
